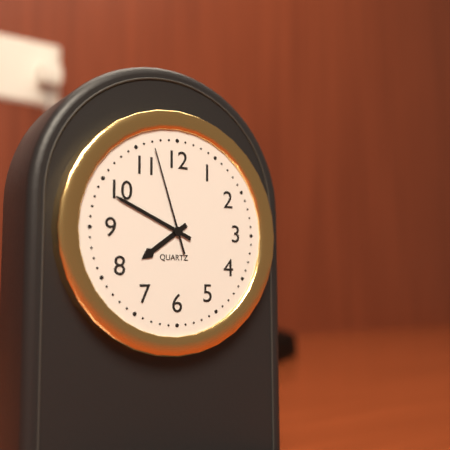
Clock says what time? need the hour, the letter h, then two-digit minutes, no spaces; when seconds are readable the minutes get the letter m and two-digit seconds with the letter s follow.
7h49m57s
